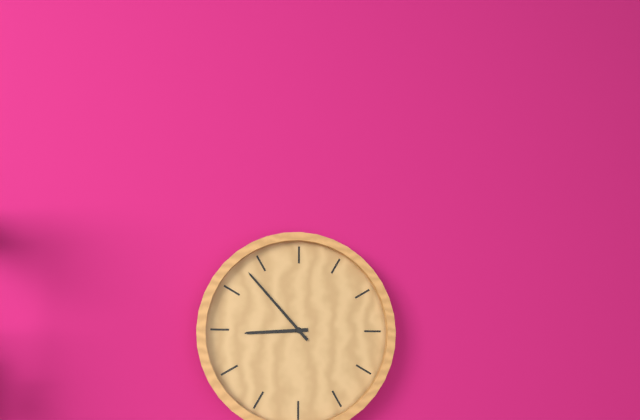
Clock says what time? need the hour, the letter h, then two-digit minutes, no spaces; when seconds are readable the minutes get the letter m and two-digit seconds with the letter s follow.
8h53
